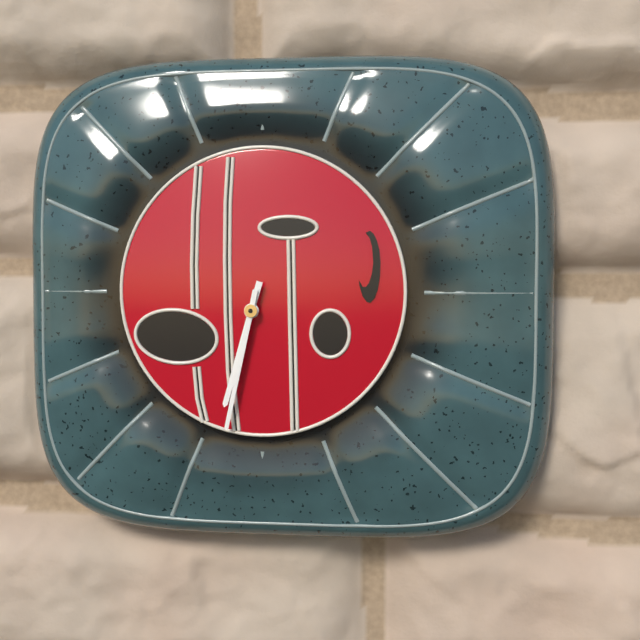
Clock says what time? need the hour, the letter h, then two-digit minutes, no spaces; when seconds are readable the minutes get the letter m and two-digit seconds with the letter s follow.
6h32
